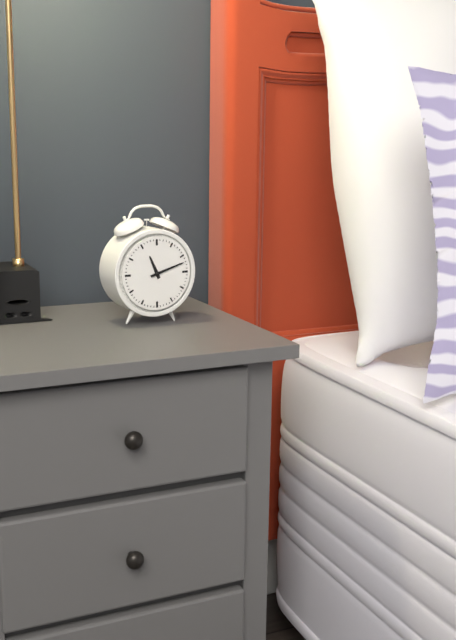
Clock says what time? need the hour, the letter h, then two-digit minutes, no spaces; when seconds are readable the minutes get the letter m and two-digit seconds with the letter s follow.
11h12
